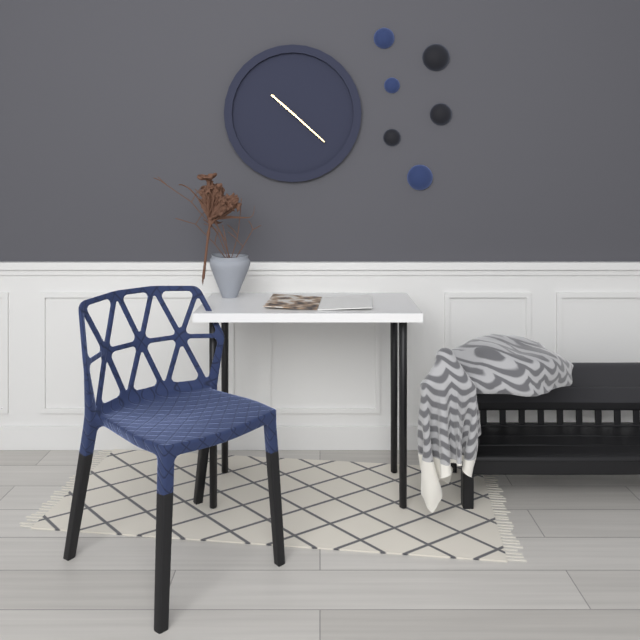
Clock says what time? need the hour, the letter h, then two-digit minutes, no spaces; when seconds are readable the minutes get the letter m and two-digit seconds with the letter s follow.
10h22
